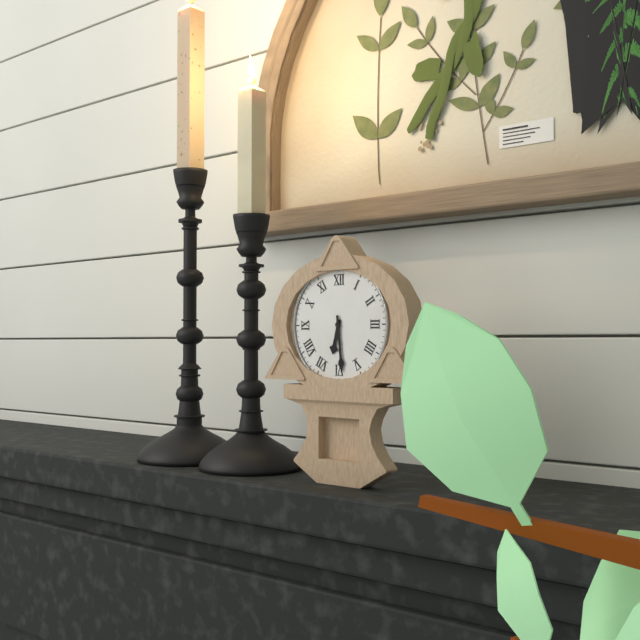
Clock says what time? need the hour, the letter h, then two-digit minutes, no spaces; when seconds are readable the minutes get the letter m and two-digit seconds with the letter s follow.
6h29
